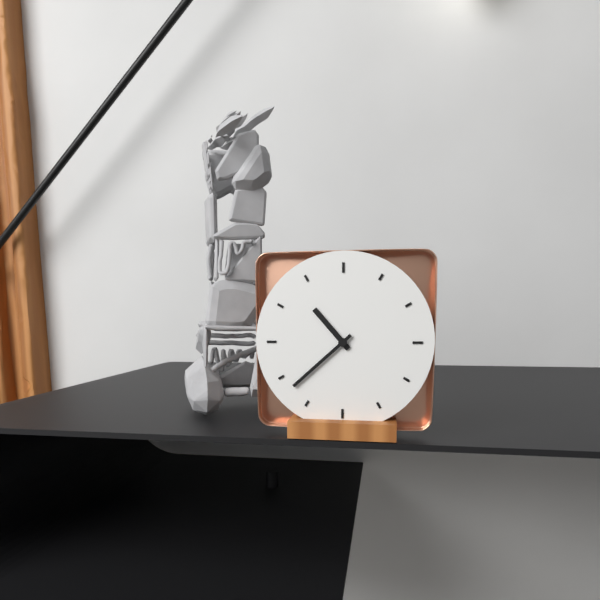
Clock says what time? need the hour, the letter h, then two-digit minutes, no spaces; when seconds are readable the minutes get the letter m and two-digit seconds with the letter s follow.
10h38
